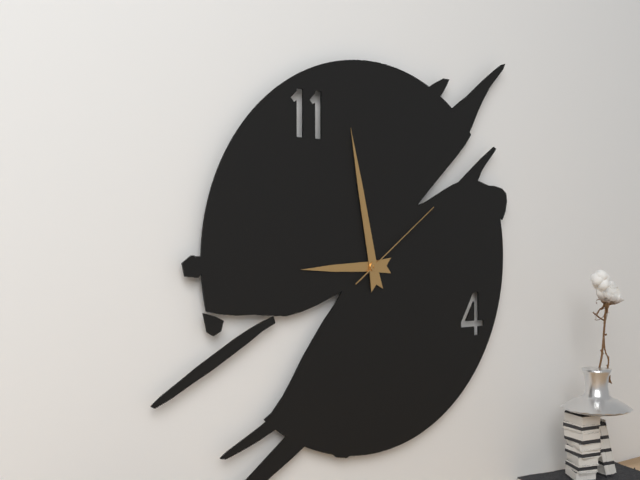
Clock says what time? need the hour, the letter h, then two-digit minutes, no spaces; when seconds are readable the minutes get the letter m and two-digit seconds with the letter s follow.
8h58m09s
